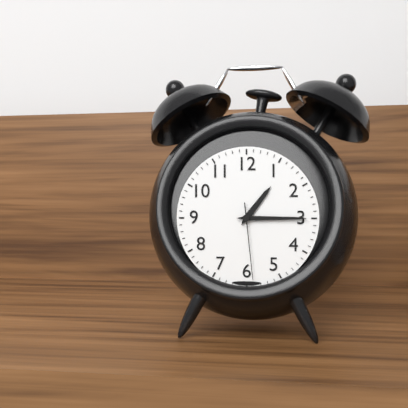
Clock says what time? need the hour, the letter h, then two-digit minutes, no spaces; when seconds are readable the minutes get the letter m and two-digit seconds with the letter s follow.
1h15m29s
